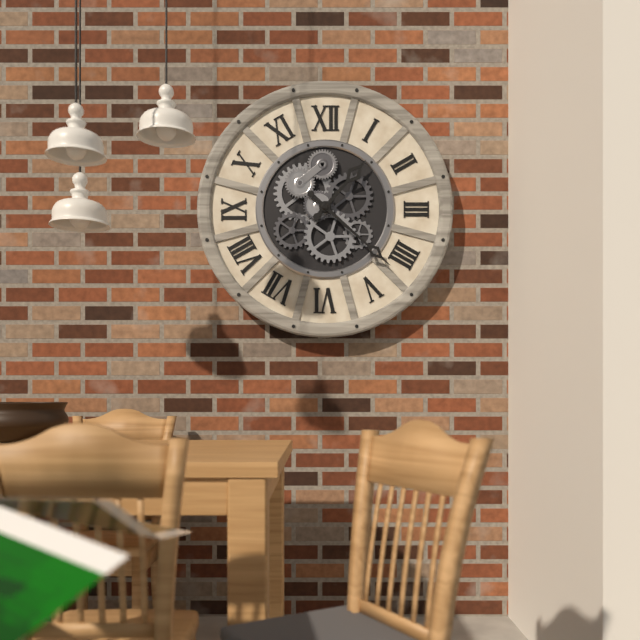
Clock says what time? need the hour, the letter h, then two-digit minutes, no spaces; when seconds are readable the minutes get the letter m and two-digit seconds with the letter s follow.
1h22
